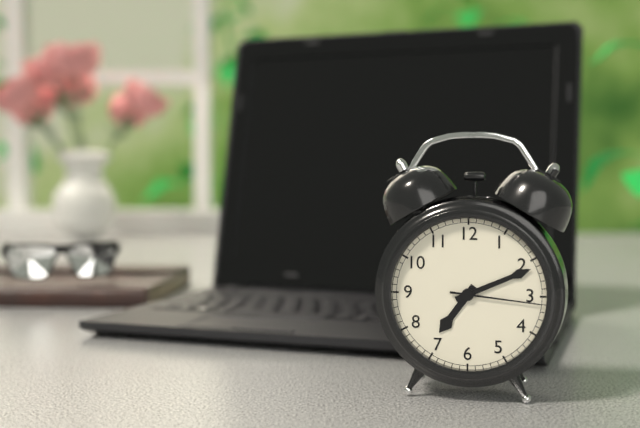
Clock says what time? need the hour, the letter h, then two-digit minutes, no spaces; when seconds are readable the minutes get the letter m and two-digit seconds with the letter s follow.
7h11m16s
